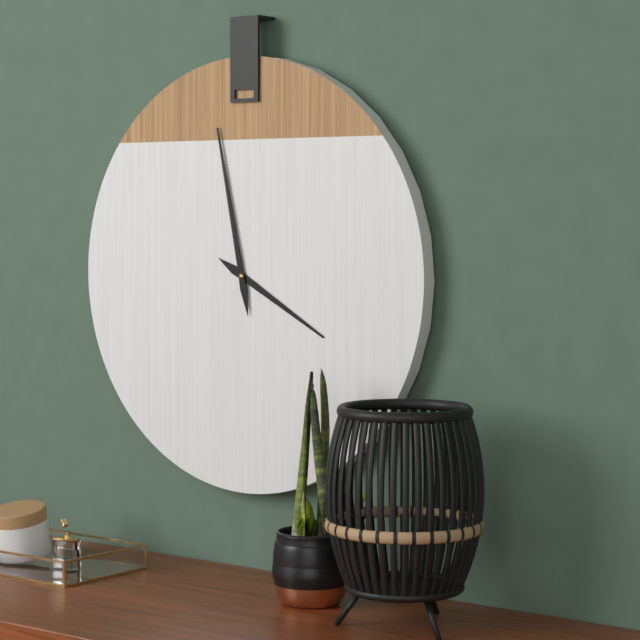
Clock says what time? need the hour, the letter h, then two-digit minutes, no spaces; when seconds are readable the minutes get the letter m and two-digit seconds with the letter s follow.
3h58
